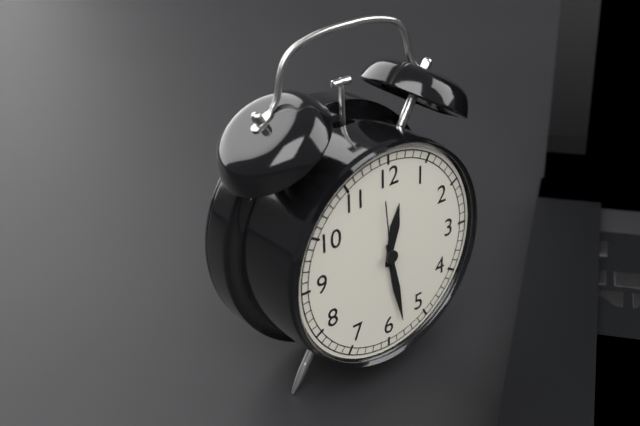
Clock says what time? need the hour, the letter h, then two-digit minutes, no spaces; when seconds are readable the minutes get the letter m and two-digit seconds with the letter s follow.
12h28m59s
